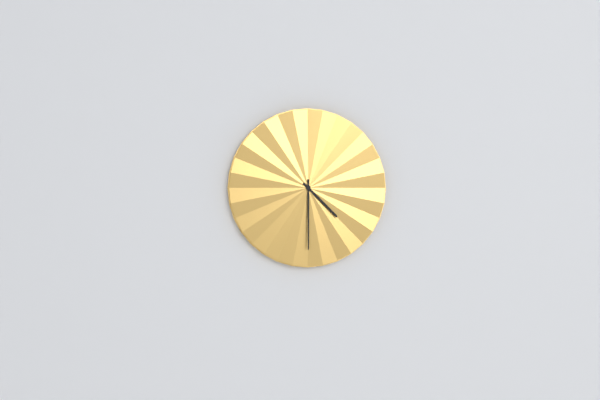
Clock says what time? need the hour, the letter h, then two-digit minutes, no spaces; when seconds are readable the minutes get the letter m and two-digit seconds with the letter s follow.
4h30
